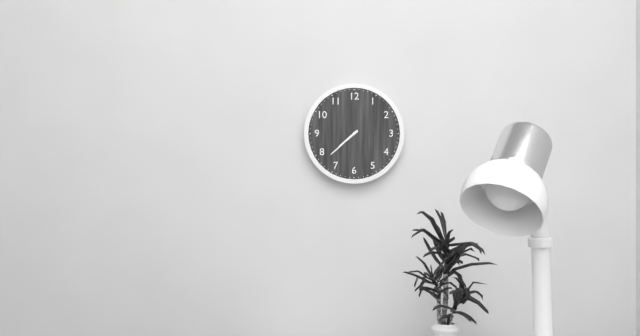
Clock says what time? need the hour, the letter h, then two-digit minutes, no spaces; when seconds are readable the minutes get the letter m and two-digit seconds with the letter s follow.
7h38
